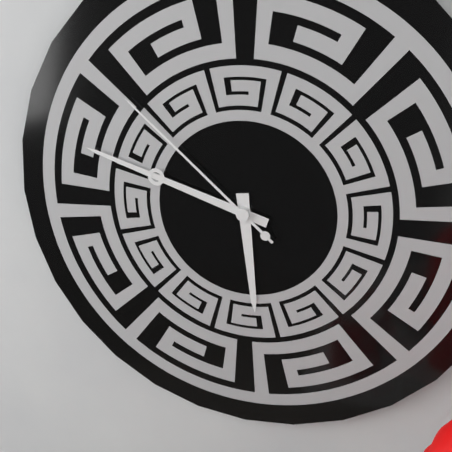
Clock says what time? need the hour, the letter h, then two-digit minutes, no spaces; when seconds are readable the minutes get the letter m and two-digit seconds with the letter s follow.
5h48m52s
